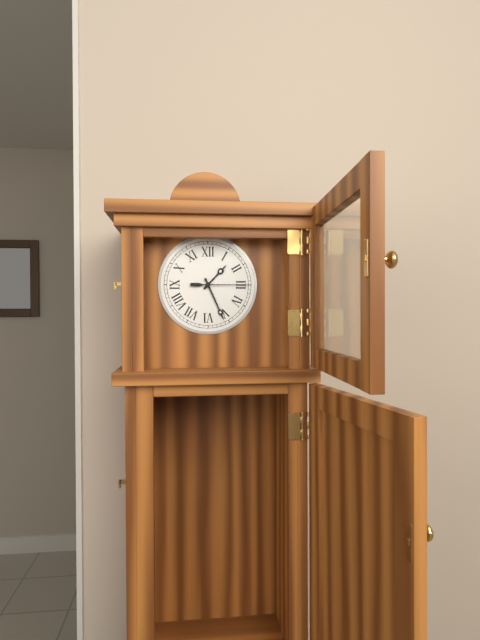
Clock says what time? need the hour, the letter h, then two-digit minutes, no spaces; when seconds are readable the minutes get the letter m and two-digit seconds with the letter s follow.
1h26m15s
